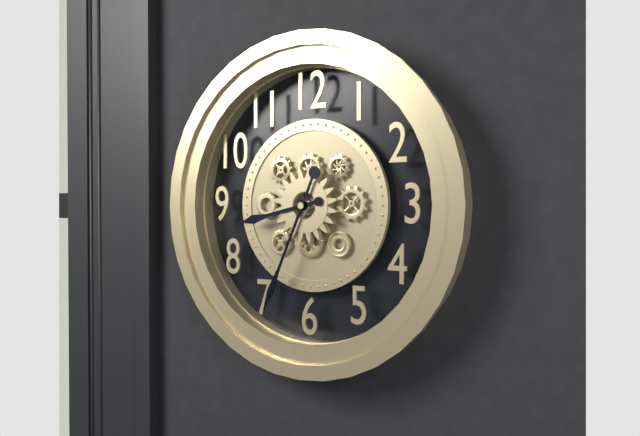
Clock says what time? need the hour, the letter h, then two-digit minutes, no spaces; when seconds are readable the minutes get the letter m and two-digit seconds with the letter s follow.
8h34
